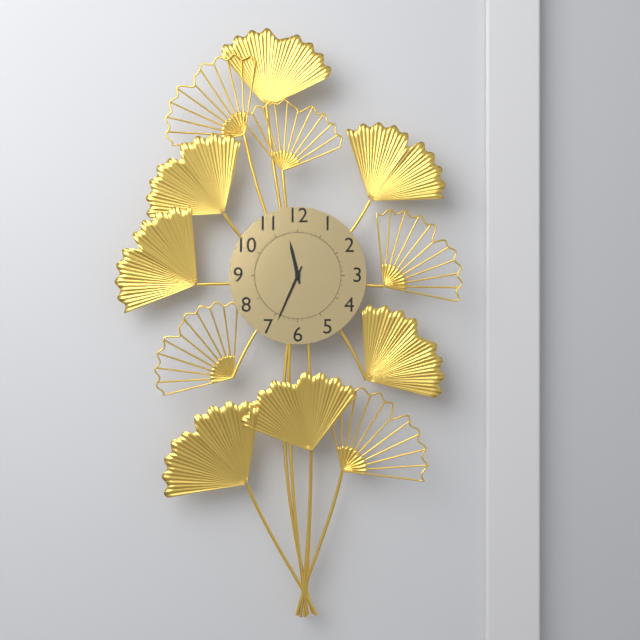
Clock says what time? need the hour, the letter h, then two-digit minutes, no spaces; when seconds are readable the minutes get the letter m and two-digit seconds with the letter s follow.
11h34
